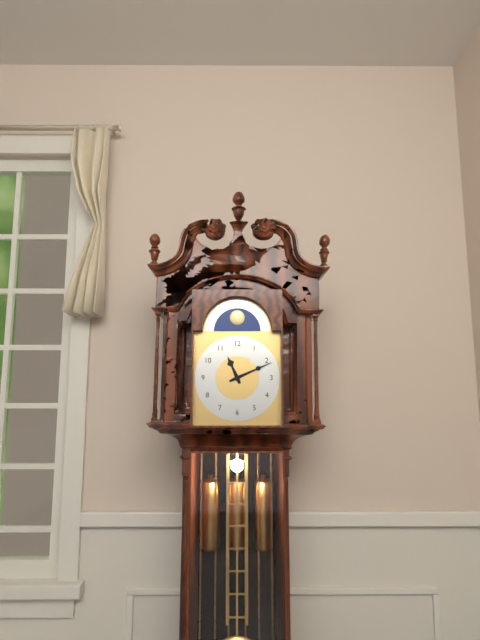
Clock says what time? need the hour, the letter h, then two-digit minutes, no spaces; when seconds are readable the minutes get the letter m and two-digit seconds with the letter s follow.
11h11
